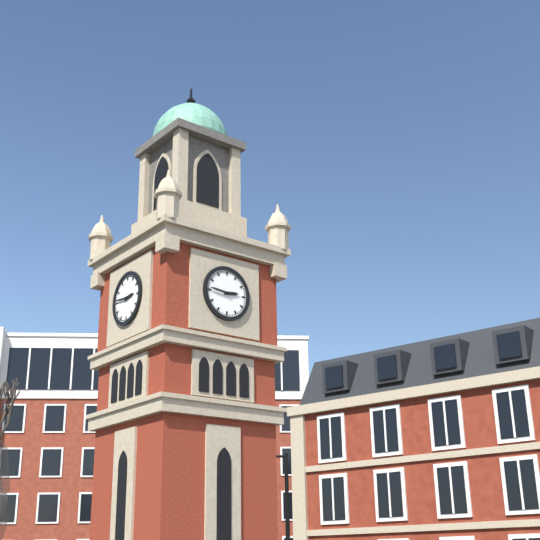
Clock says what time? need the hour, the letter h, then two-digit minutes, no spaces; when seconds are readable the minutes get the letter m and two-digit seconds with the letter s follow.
2h46
